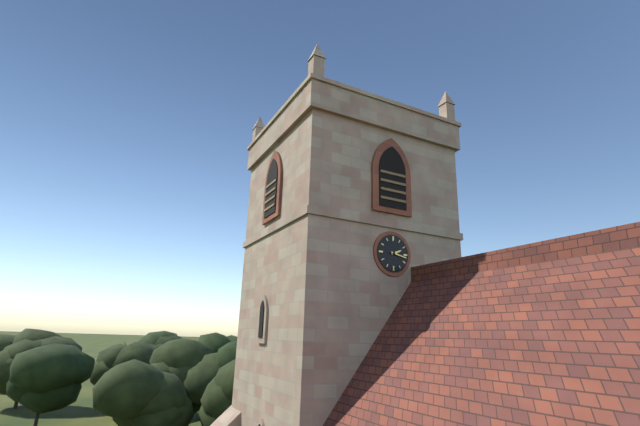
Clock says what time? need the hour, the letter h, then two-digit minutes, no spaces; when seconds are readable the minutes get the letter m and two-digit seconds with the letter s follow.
2h17
